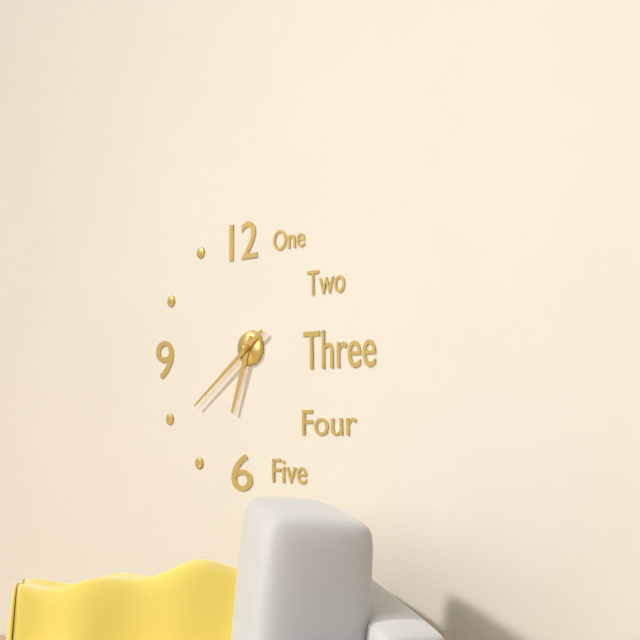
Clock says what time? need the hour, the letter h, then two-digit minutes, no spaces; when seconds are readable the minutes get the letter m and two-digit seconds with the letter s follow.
6h39
